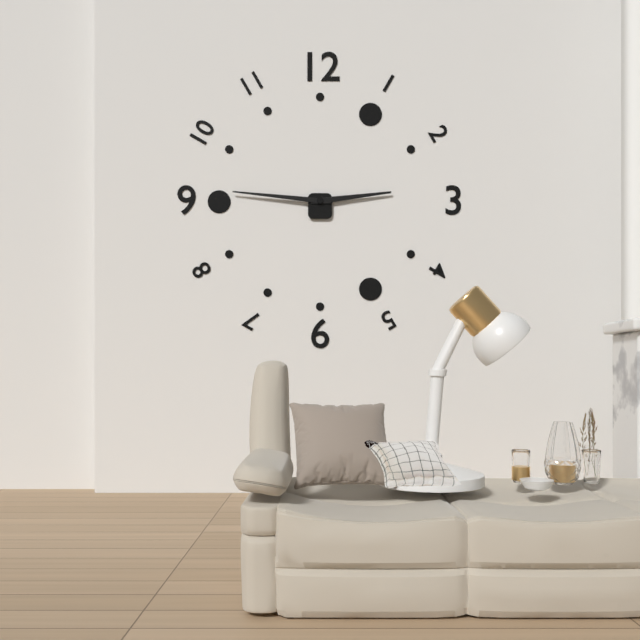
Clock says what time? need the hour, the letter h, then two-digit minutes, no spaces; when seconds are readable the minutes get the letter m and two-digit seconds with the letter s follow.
2h46
